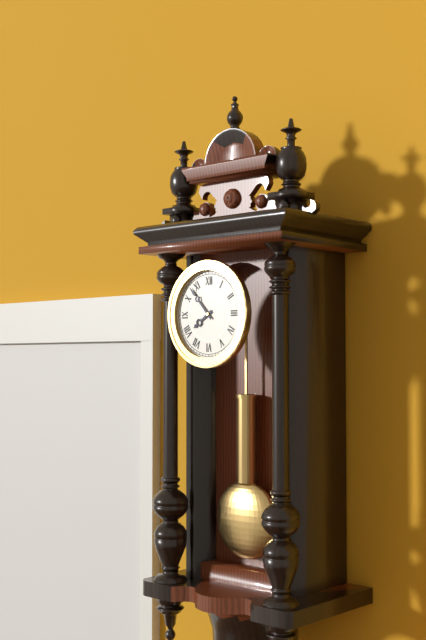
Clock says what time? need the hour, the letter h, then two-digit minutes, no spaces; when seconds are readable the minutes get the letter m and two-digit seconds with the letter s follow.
7h53
